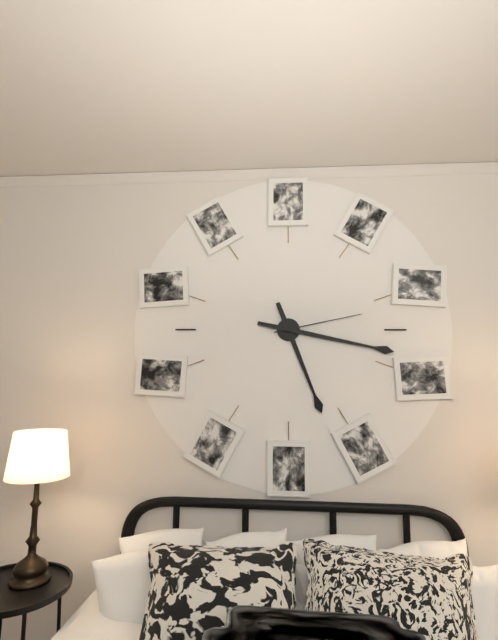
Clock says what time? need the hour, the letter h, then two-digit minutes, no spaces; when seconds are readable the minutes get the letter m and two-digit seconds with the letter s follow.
5h17m13s
